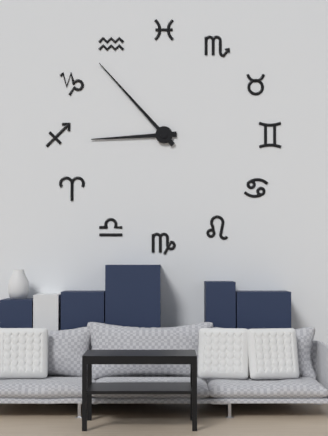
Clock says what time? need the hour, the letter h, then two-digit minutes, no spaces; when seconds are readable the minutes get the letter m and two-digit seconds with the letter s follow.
8h53
